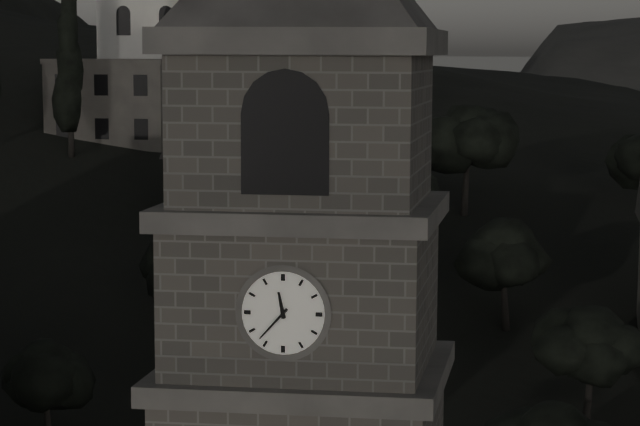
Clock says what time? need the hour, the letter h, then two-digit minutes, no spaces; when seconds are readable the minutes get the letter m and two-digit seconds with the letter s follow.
11h37
